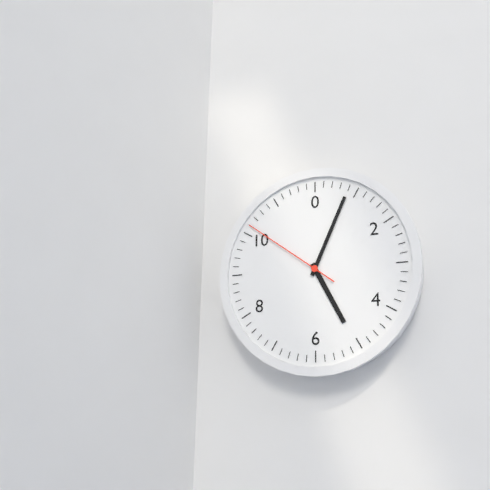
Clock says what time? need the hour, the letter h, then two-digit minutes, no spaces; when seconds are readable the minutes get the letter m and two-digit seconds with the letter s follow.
5h04m51s
